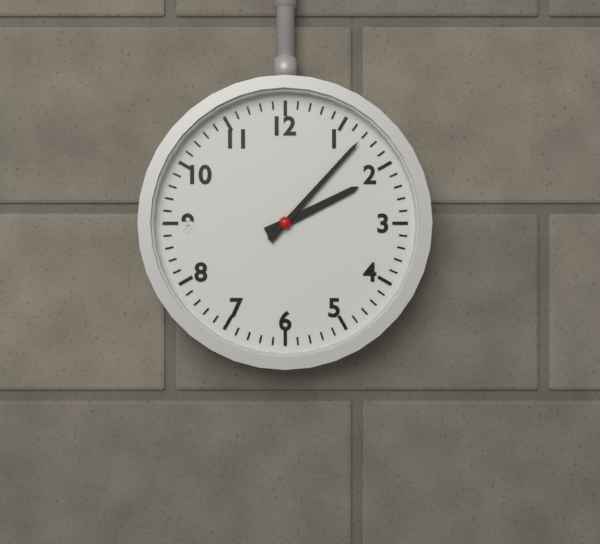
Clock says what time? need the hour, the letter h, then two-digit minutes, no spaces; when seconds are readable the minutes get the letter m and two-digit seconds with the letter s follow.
2h07
